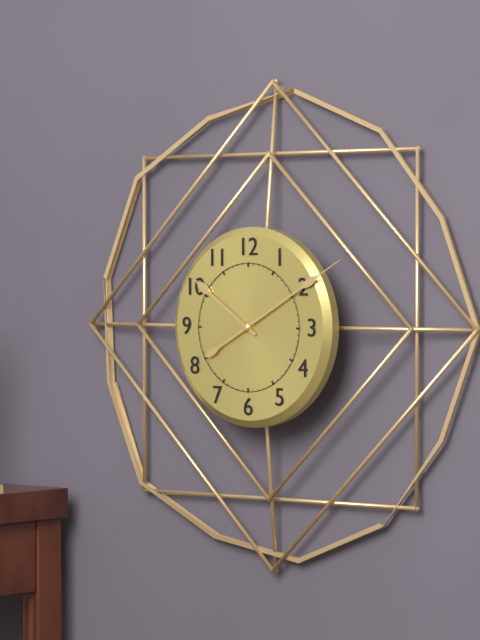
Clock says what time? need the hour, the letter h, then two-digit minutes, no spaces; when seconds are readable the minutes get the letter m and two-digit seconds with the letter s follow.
10h10
